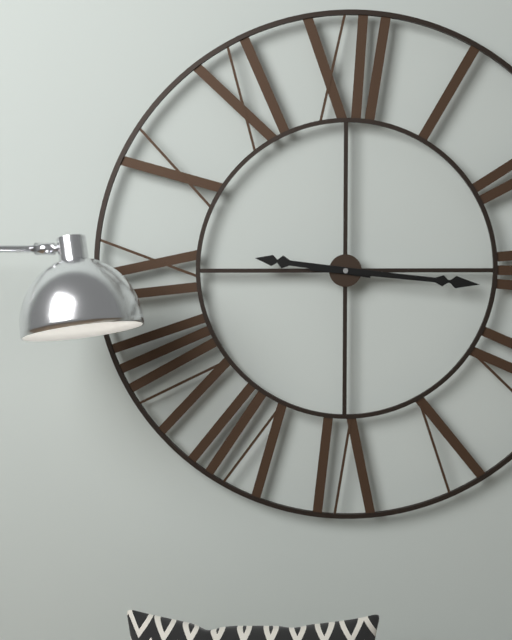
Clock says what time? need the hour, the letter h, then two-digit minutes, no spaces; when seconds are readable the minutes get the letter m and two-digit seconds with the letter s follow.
9h16
